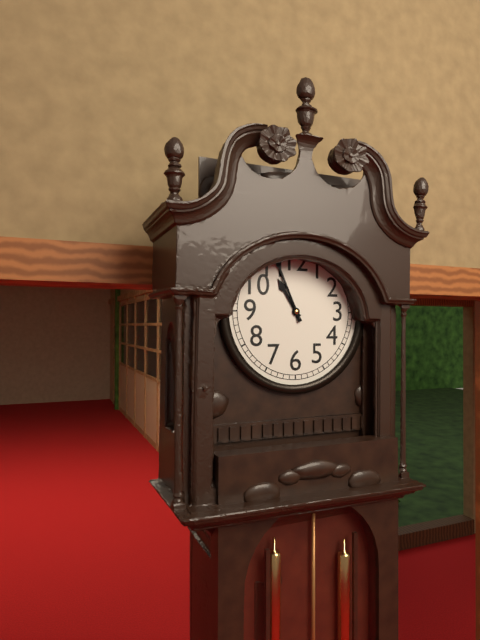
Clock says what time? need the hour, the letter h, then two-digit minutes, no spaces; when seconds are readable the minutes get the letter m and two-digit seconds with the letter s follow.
10h56
